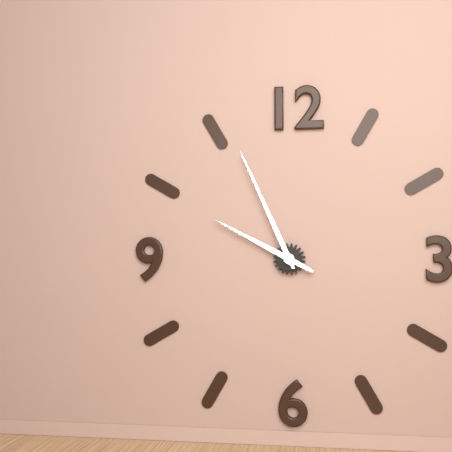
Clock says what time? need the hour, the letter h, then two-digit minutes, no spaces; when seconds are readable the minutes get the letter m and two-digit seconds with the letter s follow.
9h56
